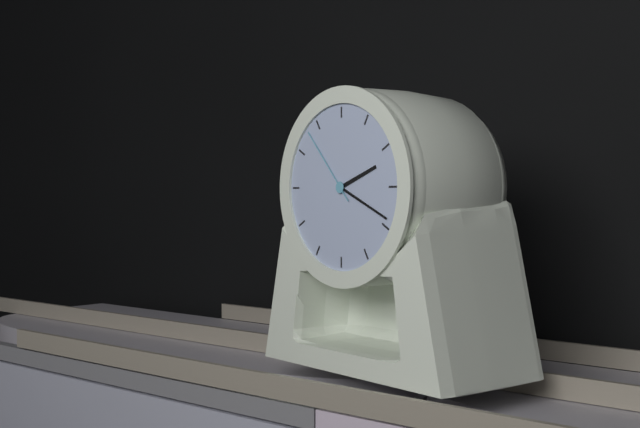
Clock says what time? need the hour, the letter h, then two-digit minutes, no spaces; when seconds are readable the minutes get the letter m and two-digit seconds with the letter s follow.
2h19m53s
